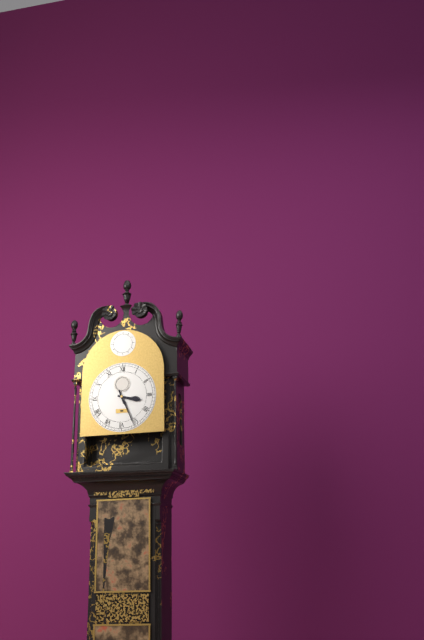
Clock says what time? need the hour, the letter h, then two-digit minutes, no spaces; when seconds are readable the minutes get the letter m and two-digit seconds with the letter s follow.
3h26
